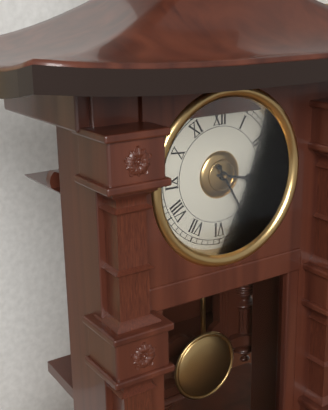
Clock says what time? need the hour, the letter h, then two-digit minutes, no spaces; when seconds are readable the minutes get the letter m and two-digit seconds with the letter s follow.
3h25
